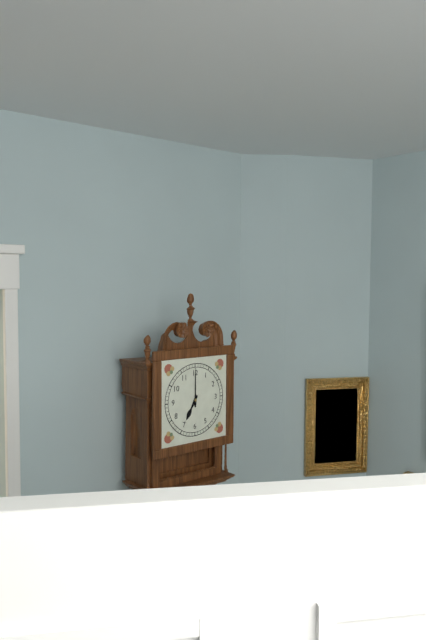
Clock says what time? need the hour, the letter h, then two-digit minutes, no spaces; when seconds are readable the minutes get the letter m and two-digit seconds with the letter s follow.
7h00
